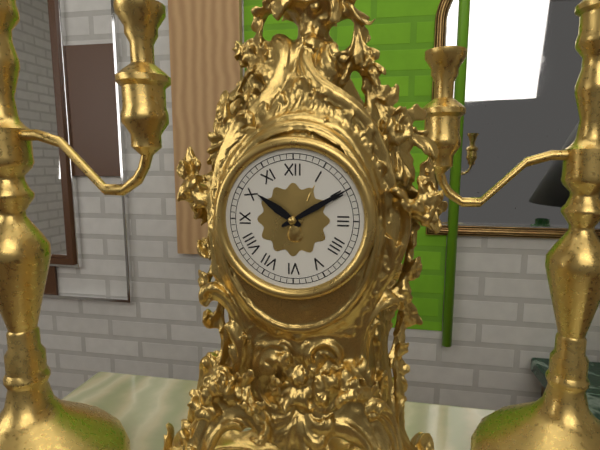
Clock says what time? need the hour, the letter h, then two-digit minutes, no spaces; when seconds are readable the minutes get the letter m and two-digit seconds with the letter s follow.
10h10
